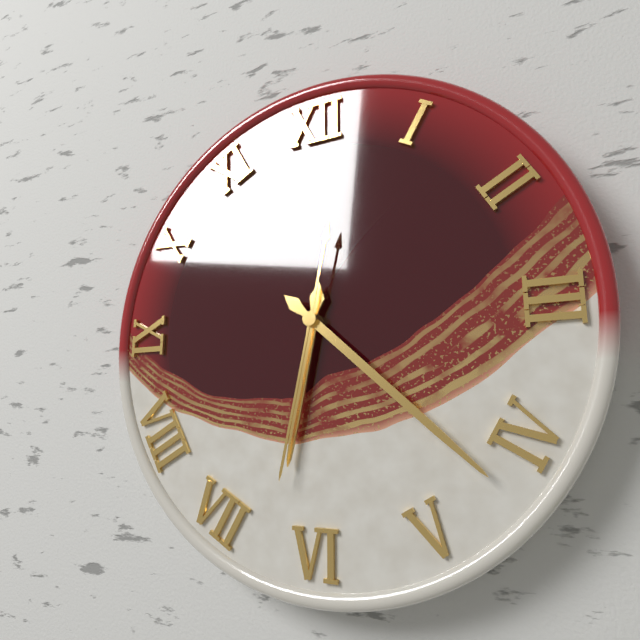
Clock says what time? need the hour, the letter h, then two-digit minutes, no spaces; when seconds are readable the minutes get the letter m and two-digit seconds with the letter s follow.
6h22m32s
